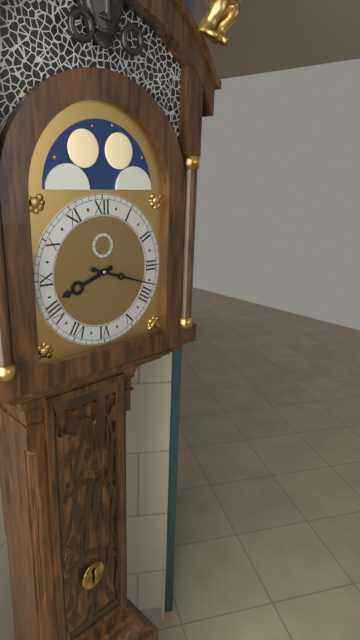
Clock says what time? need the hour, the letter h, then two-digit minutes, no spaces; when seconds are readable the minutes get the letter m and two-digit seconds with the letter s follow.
8h18
